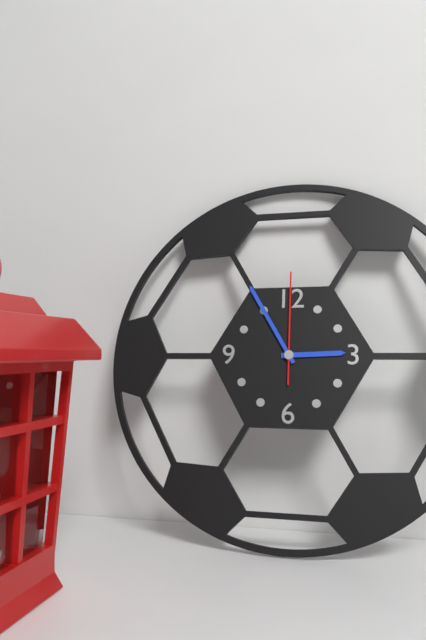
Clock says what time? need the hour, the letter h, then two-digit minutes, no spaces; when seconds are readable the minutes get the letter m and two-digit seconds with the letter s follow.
2h55m00s
